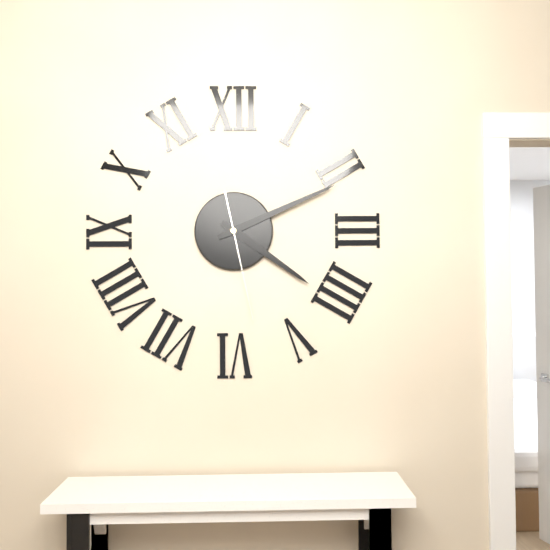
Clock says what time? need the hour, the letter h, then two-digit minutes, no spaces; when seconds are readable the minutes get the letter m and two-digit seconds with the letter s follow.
4h11m28s
